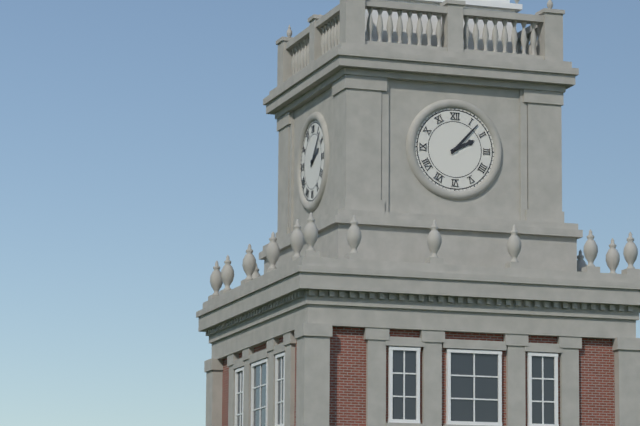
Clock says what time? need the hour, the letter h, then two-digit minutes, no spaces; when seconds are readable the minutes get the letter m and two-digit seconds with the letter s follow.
2h07
